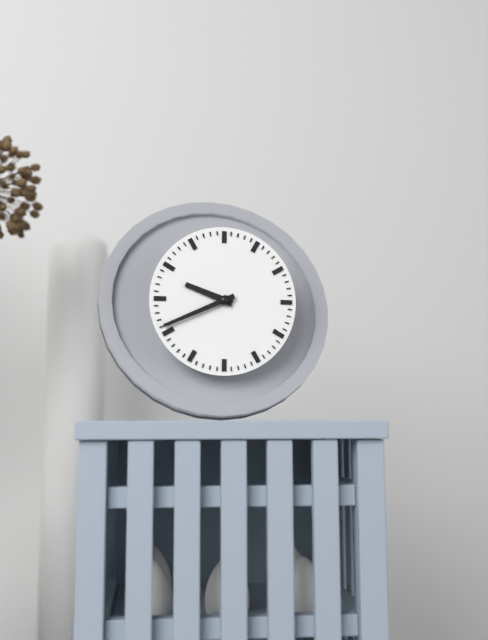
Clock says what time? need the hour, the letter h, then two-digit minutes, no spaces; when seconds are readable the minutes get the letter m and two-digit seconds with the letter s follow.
9h41
